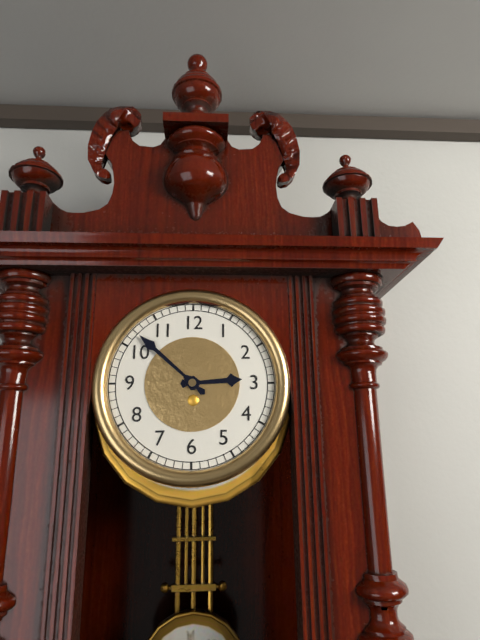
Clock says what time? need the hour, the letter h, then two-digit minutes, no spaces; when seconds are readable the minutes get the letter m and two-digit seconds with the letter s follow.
2h52
